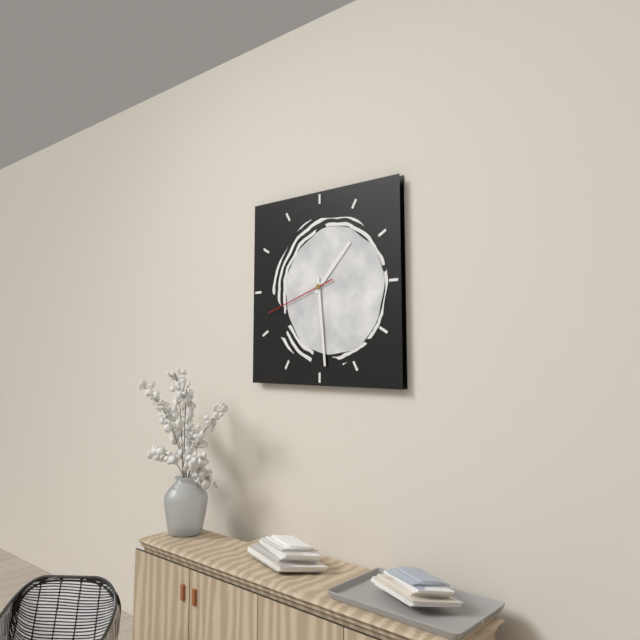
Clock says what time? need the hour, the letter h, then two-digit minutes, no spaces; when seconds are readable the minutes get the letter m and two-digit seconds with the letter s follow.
1h29m42s
